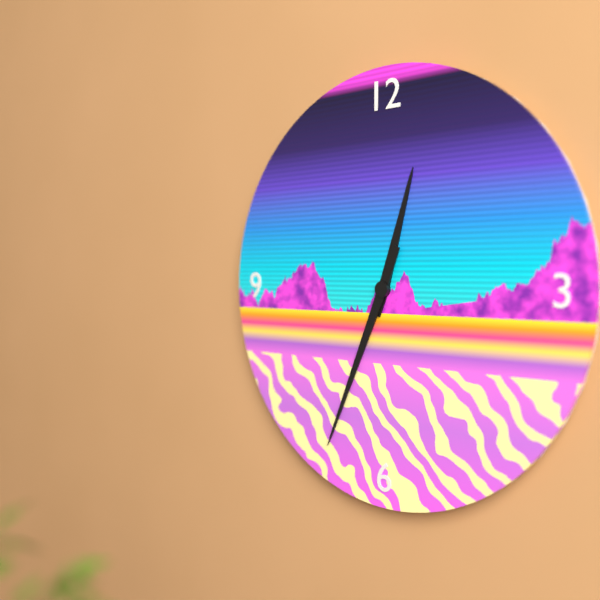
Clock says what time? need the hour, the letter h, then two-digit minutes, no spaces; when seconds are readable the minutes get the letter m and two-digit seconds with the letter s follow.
12h34
